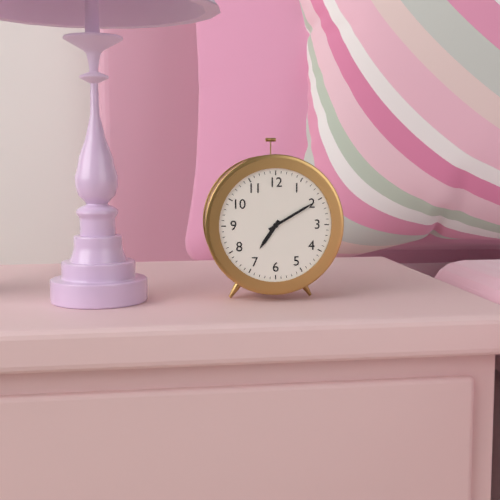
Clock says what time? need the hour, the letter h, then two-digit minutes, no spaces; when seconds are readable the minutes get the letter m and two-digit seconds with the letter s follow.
7h10
